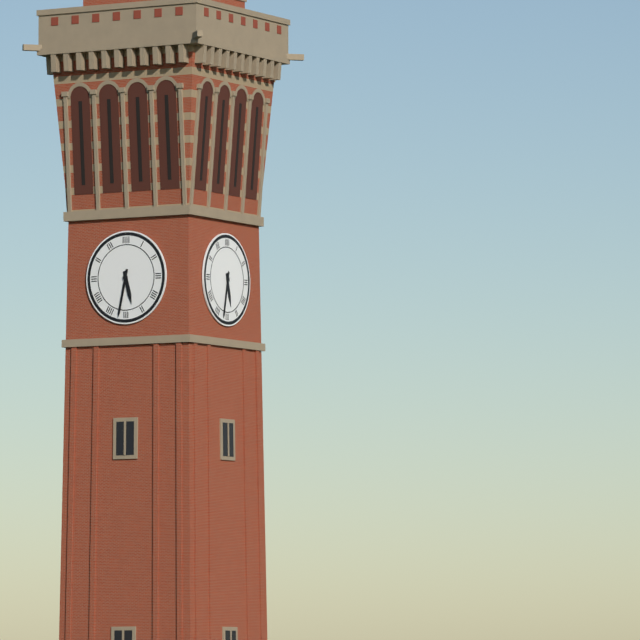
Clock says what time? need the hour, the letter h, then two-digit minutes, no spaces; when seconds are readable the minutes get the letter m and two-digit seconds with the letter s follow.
5h32
